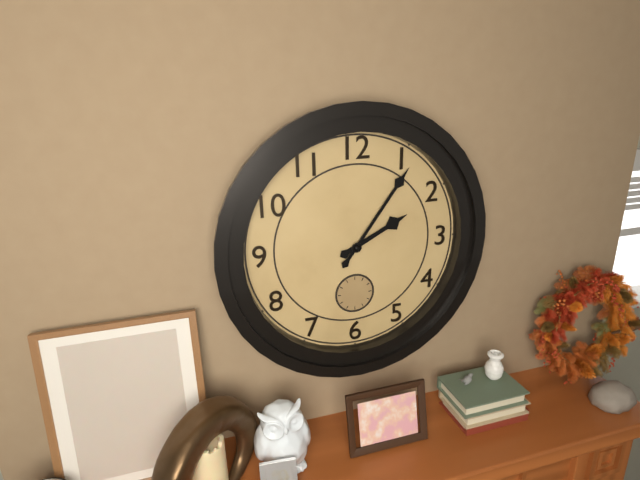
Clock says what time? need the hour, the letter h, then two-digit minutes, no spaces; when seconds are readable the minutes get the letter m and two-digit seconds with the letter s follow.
2h06
